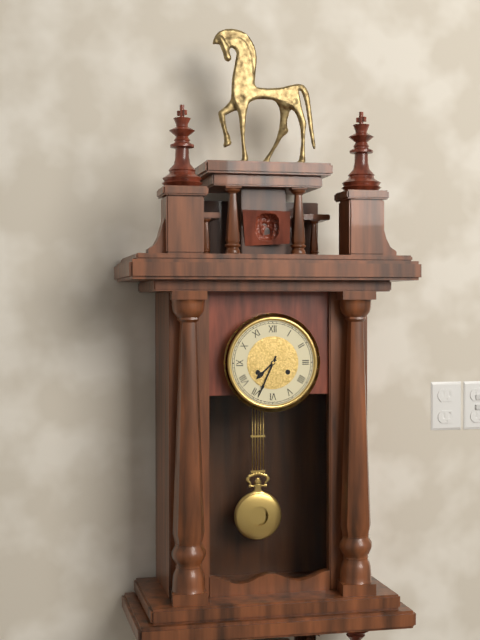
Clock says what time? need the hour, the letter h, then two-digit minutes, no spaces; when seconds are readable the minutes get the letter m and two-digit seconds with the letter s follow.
7h34
